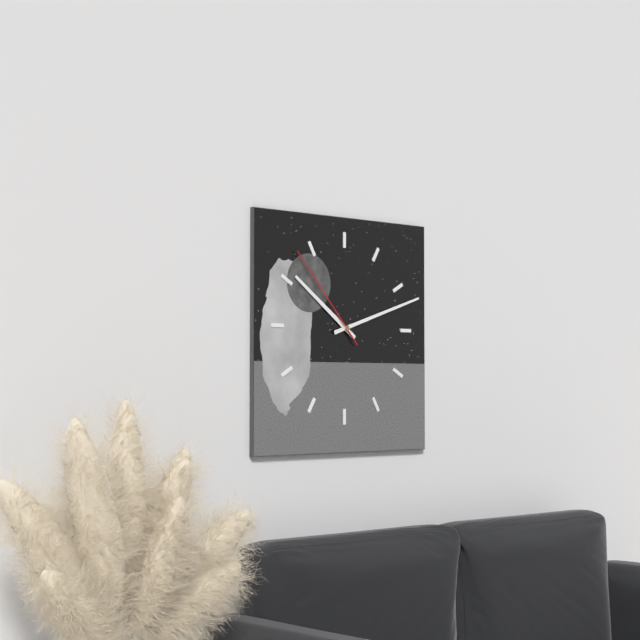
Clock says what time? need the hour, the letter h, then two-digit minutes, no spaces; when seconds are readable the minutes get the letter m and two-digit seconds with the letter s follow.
10h12m53s
